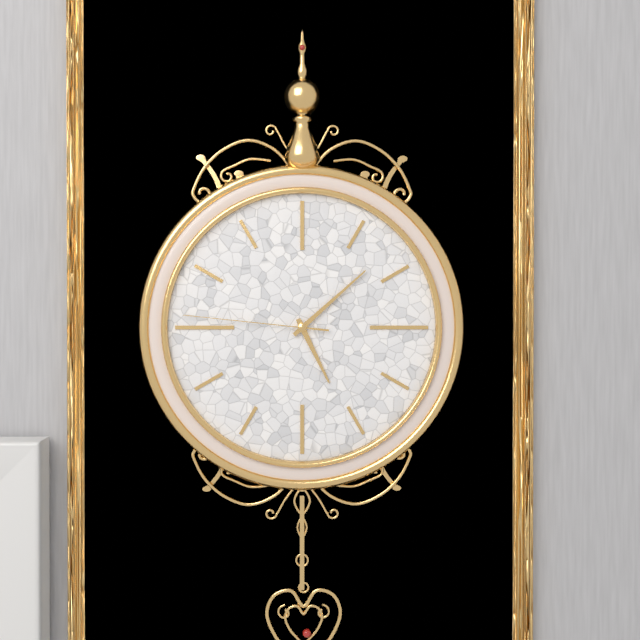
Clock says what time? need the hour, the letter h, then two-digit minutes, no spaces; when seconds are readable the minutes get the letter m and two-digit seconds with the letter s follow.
5h08m46s
